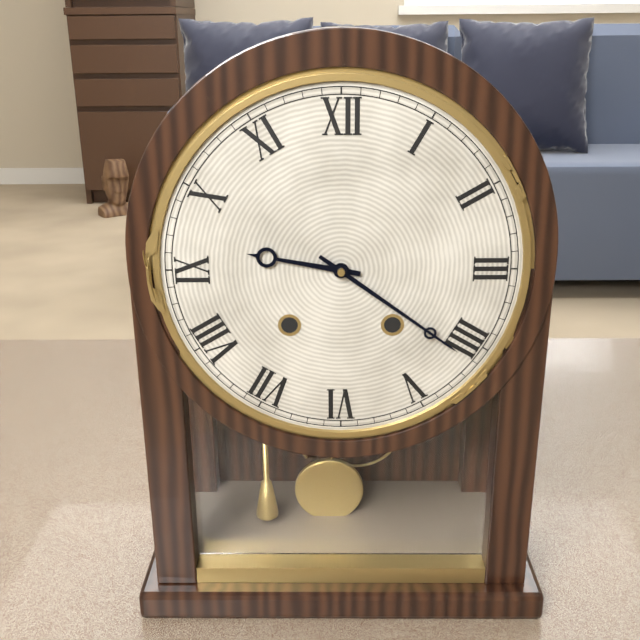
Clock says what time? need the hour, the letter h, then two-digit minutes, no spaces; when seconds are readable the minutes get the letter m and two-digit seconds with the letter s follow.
9h21
